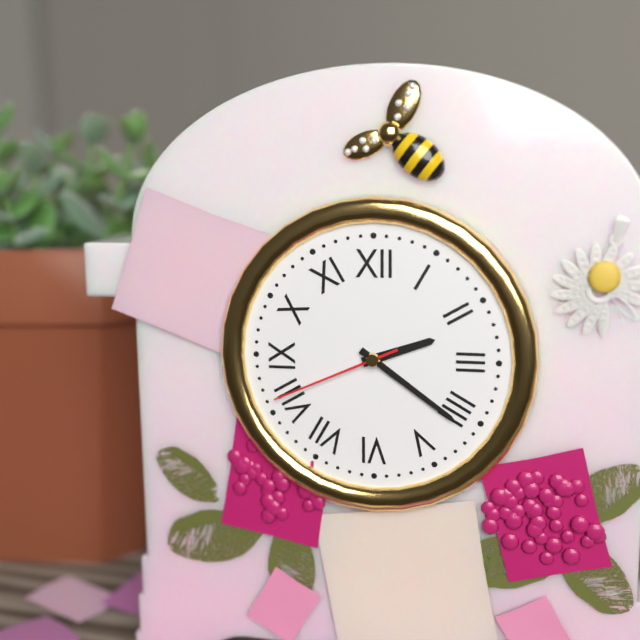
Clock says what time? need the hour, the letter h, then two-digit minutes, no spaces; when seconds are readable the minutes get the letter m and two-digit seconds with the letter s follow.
2h21m41s
